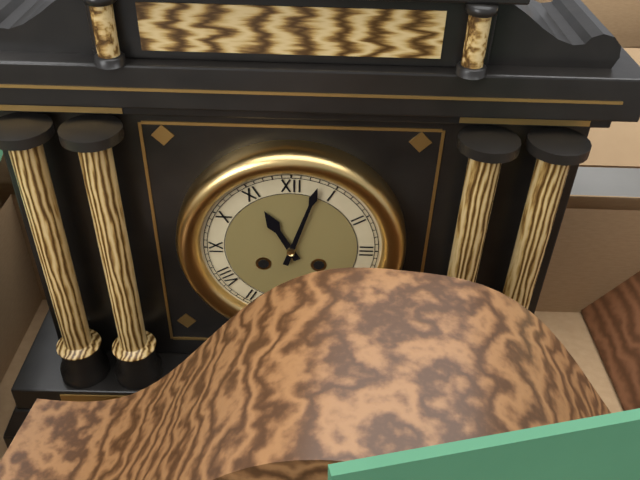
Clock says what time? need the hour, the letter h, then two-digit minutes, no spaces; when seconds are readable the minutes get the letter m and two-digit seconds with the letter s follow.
11h03
